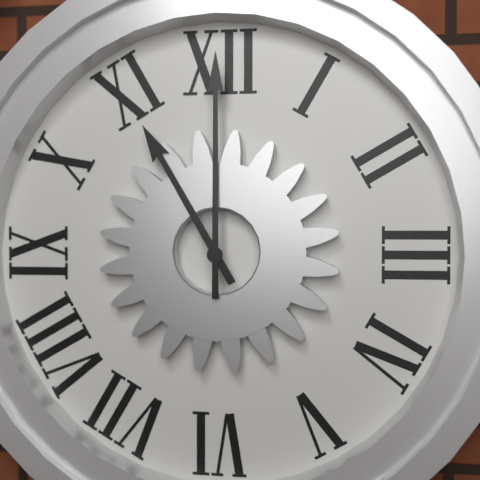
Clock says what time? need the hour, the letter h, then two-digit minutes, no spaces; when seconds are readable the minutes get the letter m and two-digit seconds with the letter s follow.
11h00
